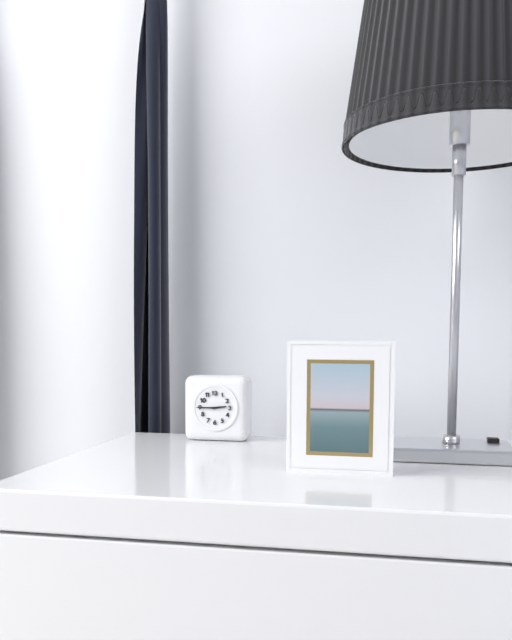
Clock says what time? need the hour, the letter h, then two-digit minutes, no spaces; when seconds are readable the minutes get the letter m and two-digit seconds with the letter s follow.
2h45
